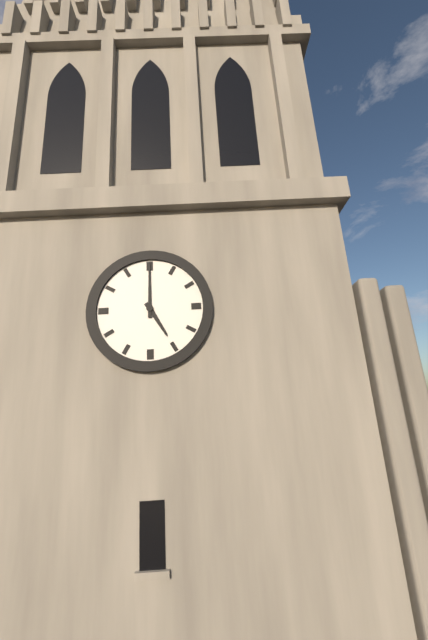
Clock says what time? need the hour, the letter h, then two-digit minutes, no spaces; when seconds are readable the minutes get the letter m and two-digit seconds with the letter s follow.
5h00
